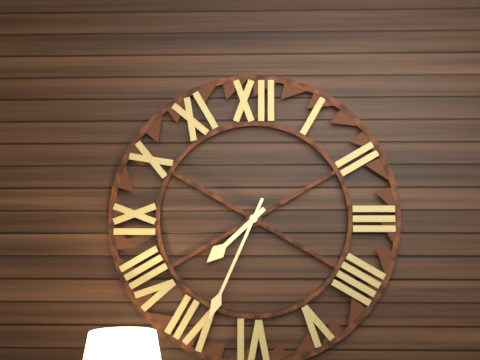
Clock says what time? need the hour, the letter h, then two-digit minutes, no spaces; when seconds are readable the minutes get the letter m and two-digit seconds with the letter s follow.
7h34
